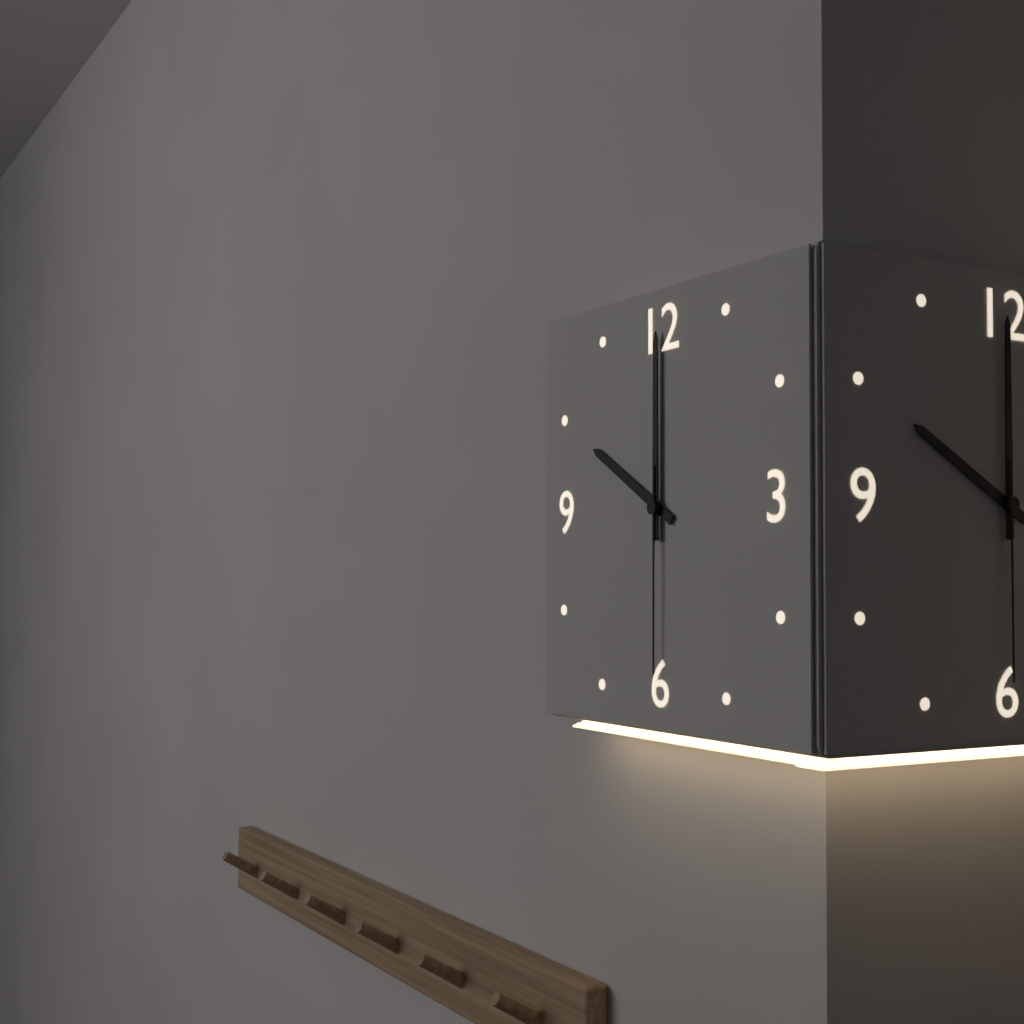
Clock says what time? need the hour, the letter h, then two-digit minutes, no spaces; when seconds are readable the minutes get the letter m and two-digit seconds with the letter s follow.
10h00m30s
